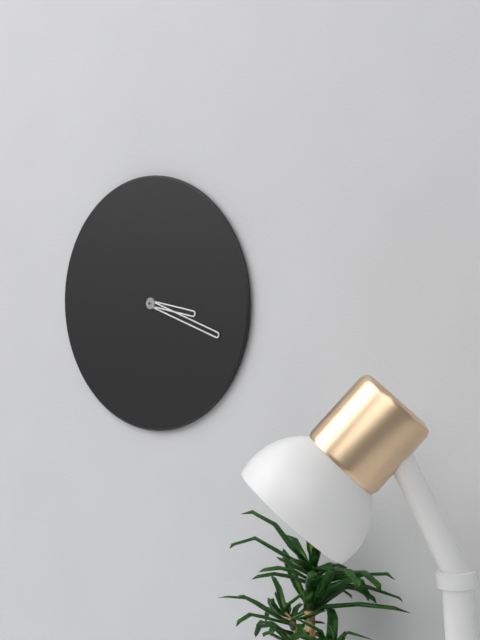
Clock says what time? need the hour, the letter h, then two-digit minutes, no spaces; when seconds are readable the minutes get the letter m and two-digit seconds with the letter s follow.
3h18
